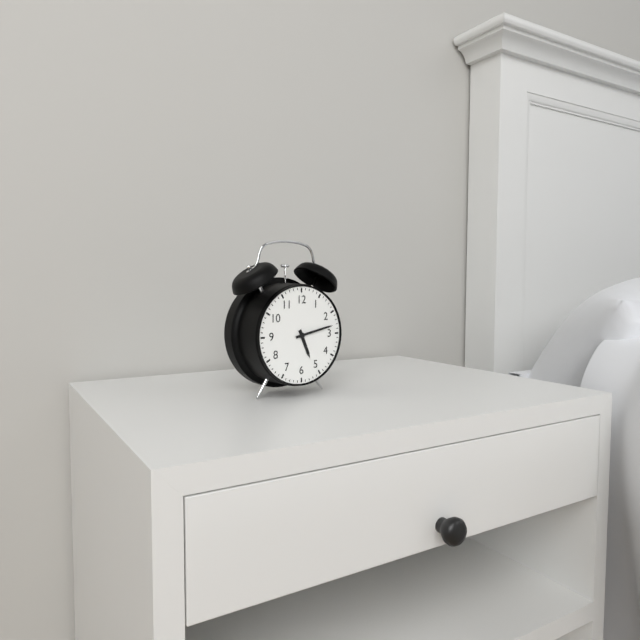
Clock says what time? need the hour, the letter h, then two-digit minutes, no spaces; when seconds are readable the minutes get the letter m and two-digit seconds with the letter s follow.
5h13
